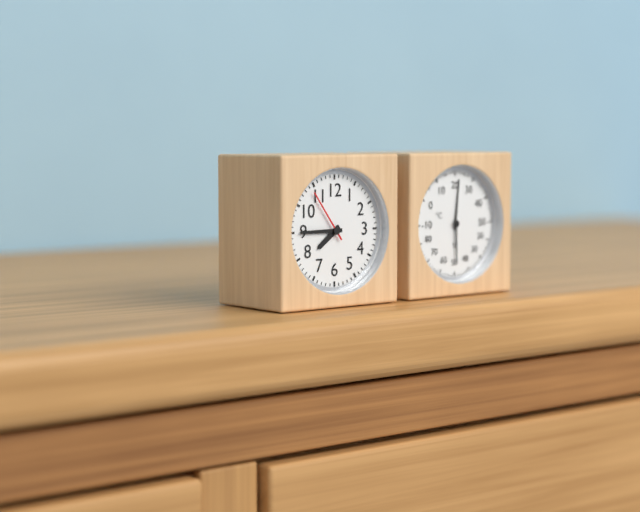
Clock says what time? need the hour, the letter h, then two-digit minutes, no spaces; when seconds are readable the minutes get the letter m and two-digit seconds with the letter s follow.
7h45m54s
